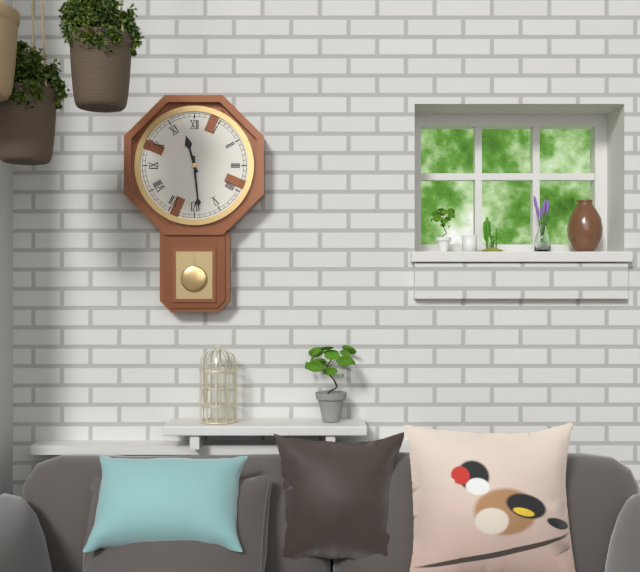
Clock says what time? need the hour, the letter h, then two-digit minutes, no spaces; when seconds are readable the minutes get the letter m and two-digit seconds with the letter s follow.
11h29
